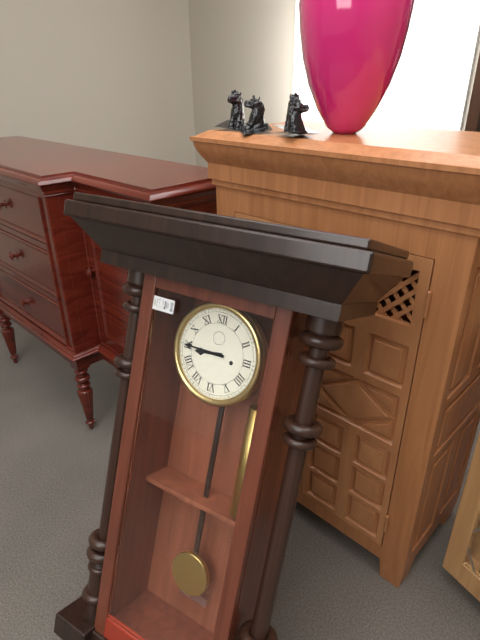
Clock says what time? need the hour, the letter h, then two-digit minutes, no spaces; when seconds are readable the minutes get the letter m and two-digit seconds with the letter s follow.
8h45
